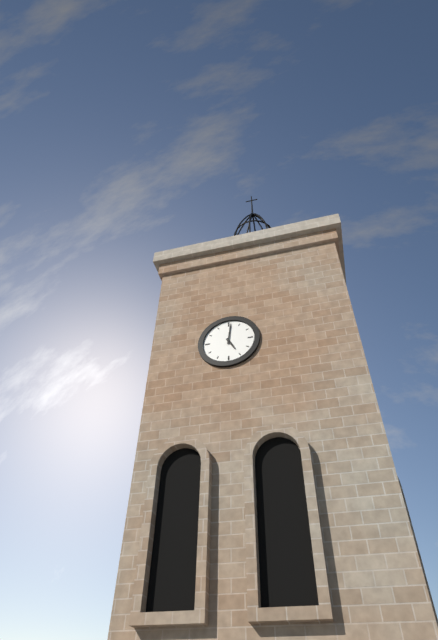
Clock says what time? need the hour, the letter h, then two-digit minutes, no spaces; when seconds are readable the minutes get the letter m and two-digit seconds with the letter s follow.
5h01
